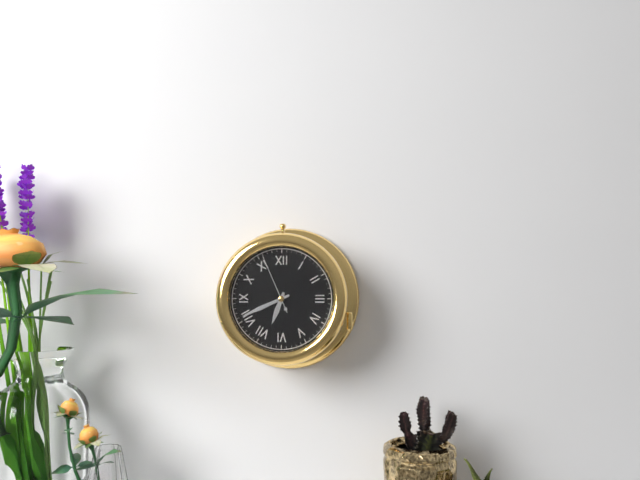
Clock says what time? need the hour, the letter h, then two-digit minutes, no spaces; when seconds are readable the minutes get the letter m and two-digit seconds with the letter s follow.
6h41m56s
